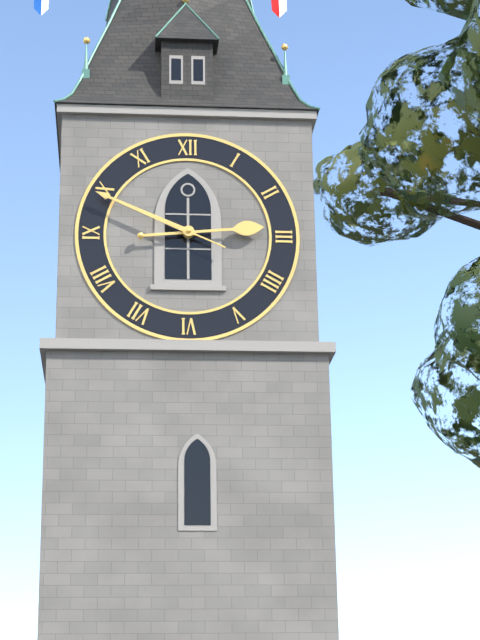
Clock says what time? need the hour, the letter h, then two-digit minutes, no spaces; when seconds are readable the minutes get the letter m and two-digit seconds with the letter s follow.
2h49
